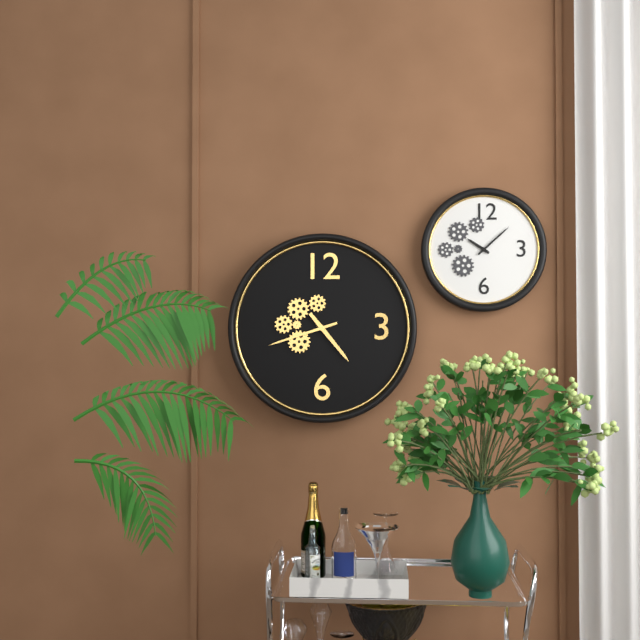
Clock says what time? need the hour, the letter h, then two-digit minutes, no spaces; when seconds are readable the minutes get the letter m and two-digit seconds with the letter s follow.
4h42
